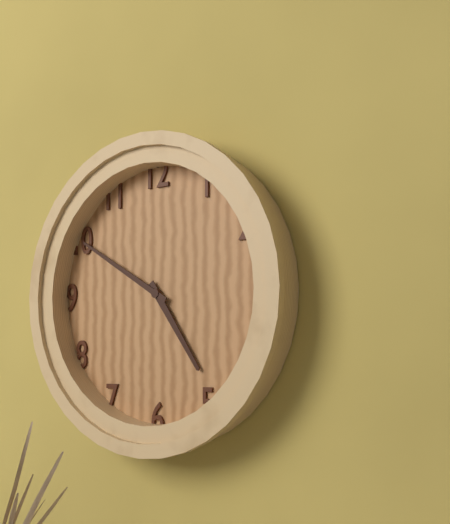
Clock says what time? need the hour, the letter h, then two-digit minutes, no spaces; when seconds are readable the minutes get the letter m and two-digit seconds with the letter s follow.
4h50
